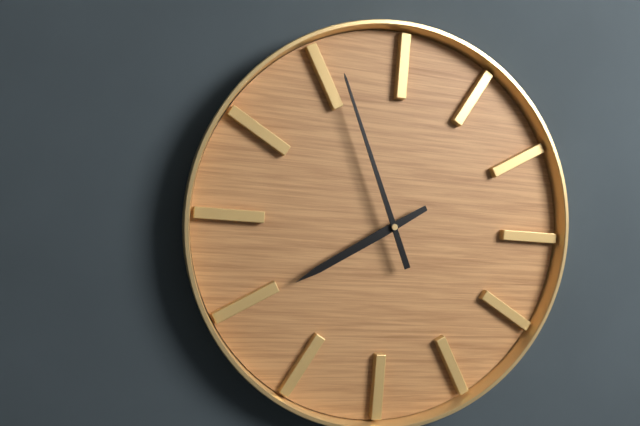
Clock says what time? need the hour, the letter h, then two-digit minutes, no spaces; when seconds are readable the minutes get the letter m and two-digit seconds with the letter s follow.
7h56
